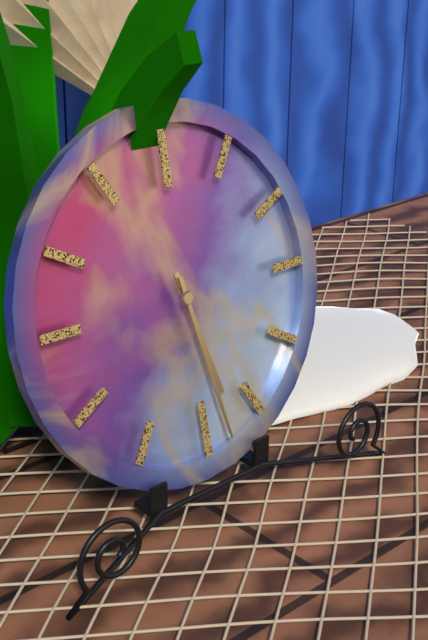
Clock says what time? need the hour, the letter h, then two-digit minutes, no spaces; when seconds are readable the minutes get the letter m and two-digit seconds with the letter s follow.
5h28
